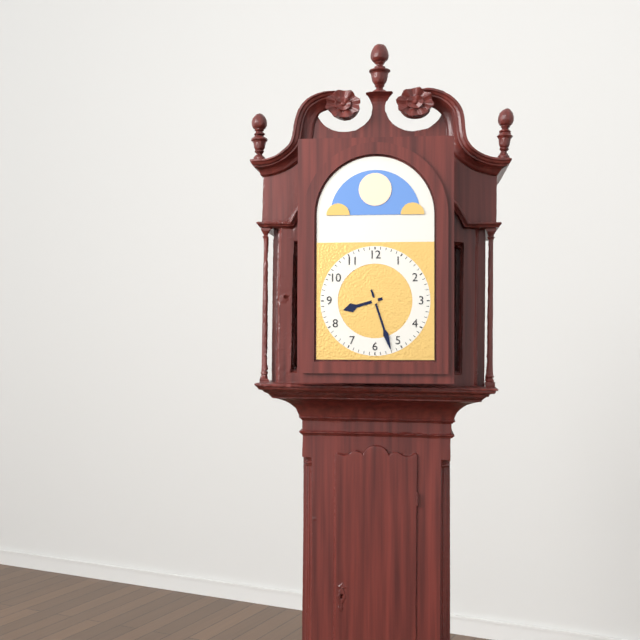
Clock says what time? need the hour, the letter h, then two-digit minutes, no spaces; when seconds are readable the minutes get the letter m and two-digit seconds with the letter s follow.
8h27
